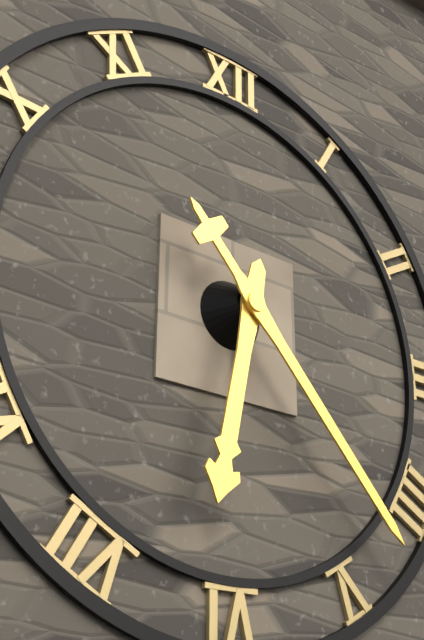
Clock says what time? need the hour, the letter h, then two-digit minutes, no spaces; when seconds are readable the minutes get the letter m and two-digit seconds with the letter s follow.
6h23
